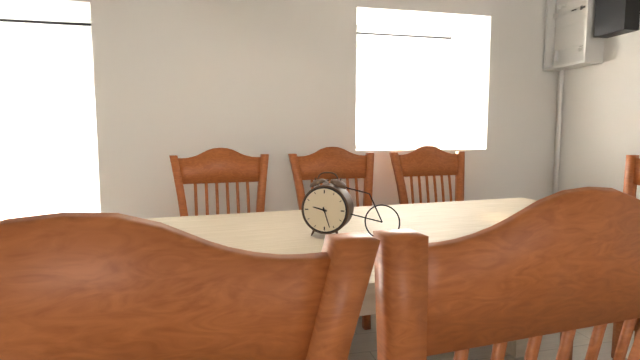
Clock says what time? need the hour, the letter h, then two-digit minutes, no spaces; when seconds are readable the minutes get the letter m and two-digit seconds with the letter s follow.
9h27
